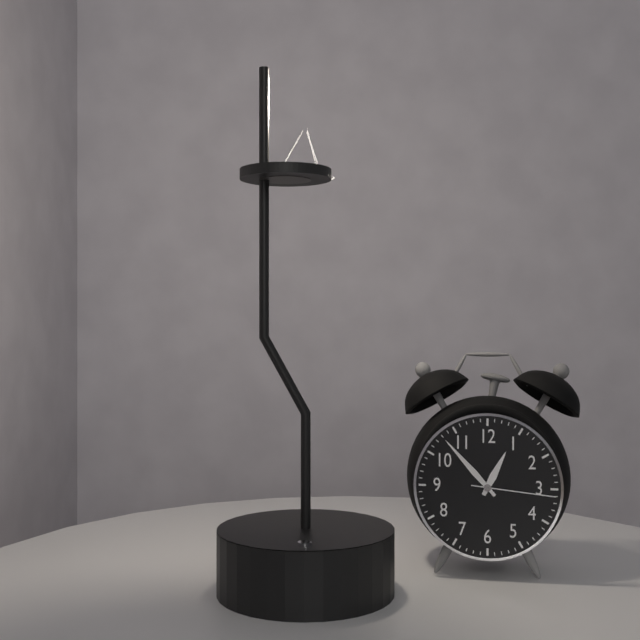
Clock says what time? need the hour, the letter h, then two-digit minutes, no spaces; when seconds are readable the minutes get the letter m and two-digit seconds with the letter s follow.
12h53m16s
